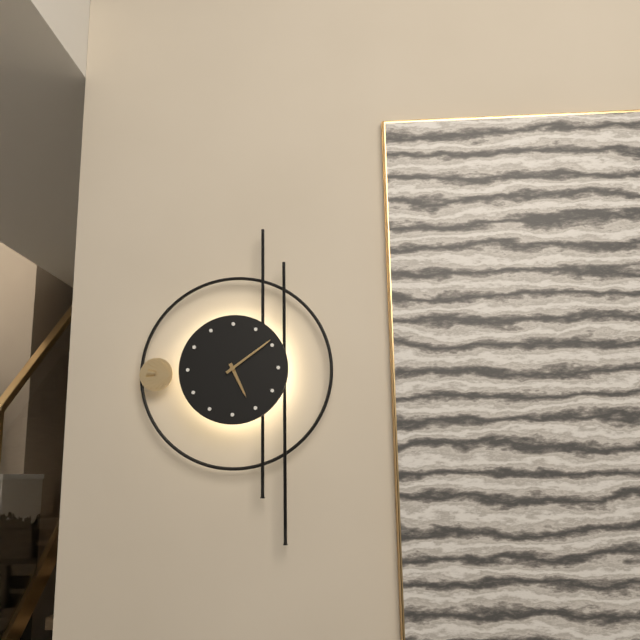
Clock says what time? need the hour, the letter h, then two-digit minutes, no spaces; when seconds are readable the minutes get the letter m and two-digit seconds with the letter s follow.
5h09
